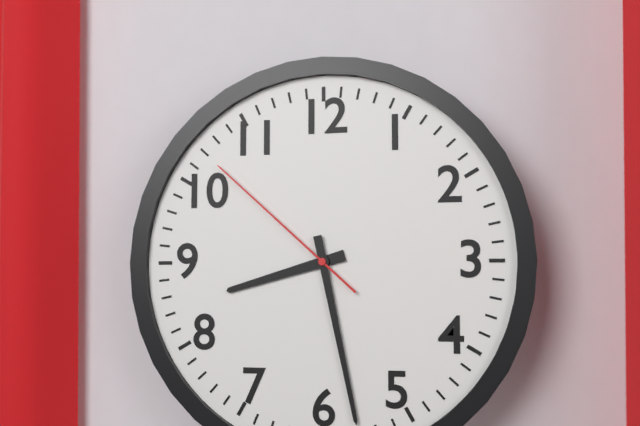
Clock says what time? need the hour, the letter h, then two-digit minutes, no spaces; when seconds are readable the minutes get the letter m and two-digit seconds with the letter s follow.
8h28m52s
